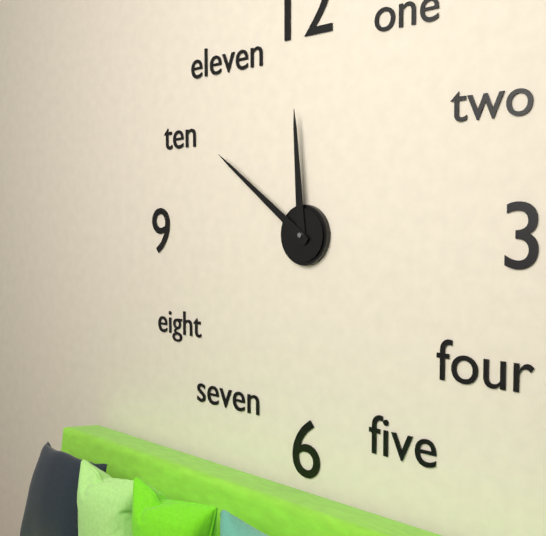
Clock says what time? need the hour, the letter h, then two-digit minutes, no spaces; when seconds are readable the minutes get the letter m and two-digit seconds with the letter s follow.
11h51
